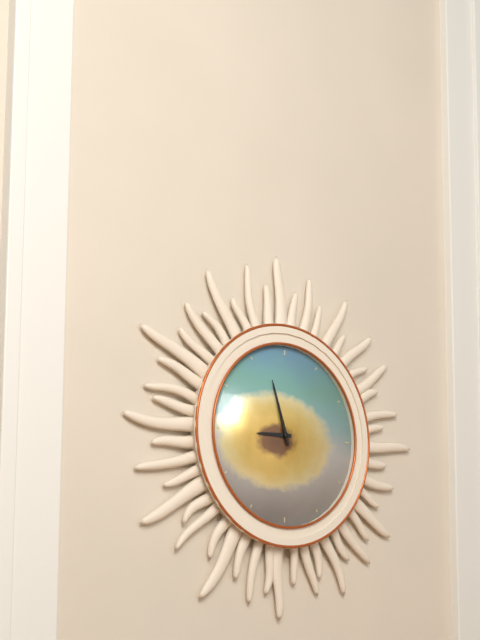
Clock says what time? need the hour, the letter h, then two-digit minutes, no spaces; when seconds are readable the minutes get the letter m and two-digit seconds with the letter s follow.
8h57
